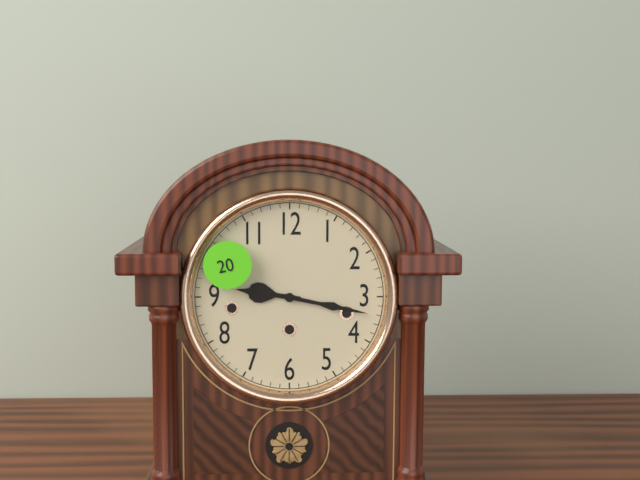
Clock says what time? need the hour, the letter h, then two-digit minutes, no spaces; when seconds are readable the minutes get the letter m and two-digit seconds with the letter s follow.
9h17
